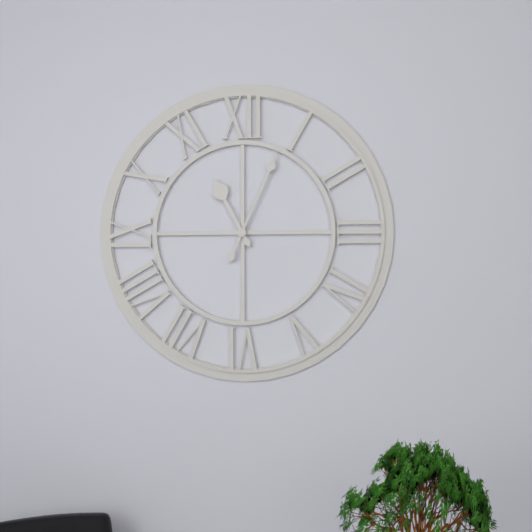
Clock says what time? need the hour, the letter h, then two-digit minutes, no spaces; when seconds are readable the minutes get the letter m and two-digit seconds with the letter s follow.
11h04
